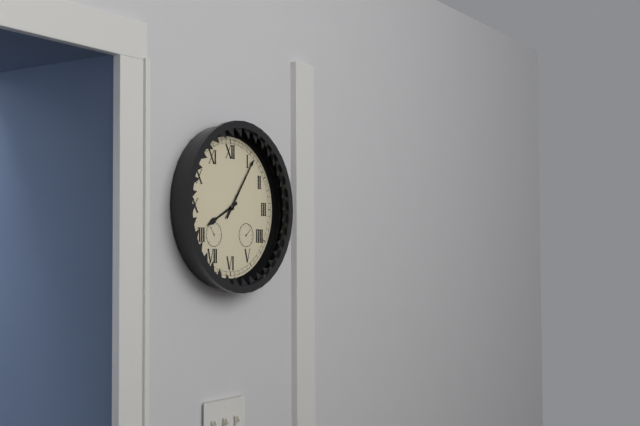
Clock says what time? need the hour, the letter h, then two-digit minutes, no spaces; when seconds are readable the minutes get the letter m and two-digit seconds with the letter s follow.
8h06
